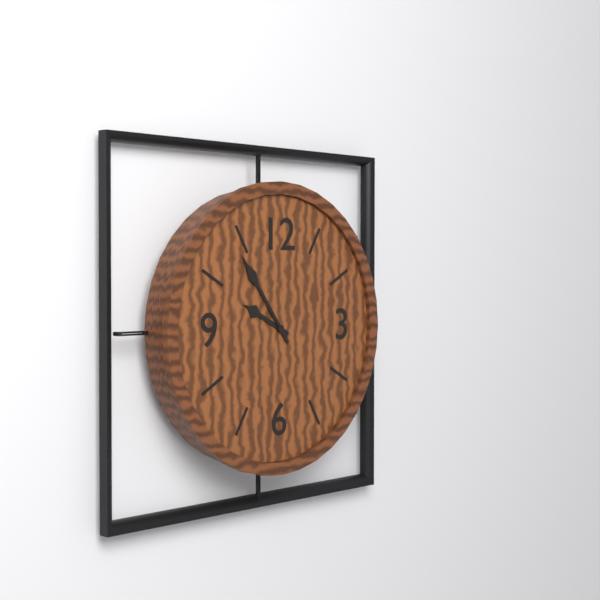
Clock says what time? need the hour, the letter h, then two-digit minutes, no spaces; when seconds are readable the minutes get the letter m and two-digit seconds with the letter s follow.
9h54
